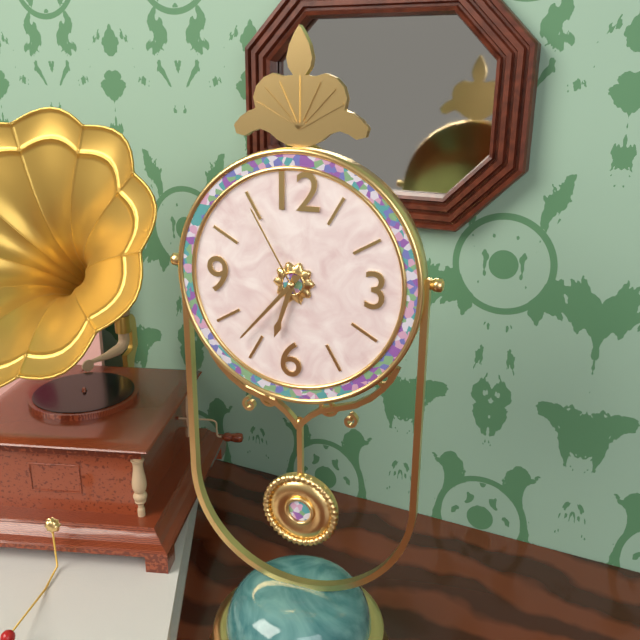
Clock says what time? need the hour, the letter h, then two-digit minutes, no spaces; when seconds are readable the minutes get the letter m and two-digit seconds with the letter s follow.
6h37m55s
